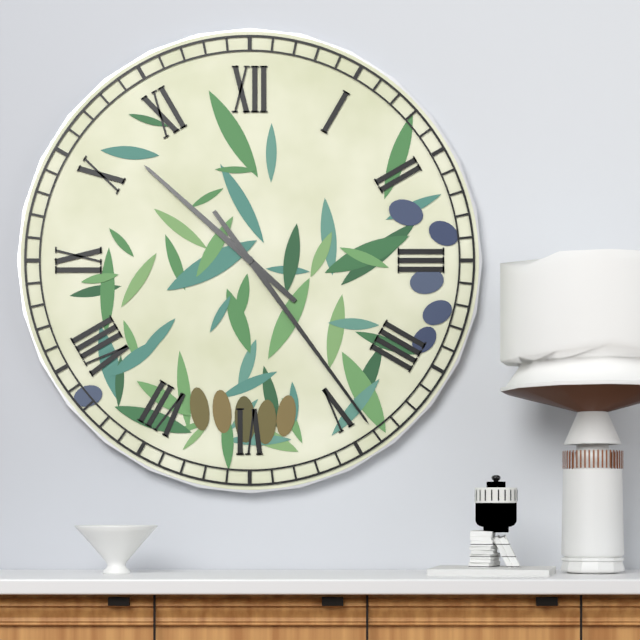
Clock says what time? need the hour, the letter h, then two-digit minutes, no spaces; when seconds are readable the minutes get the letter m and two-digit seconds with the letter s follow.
10h24
